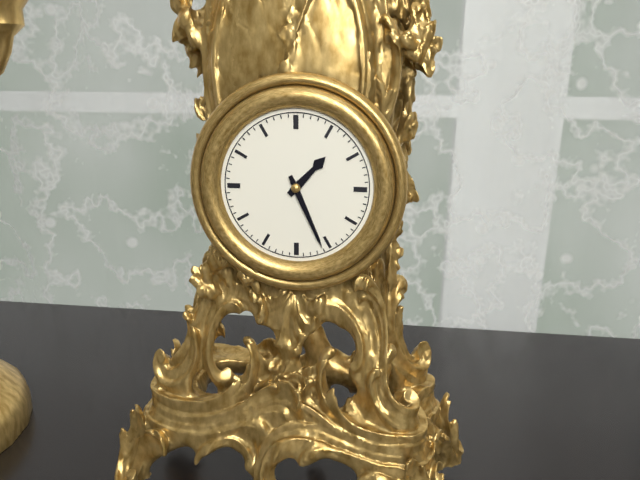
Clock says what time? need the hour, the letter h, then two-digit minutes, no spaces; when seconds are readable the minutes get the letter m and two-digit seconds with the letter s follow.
1h26
